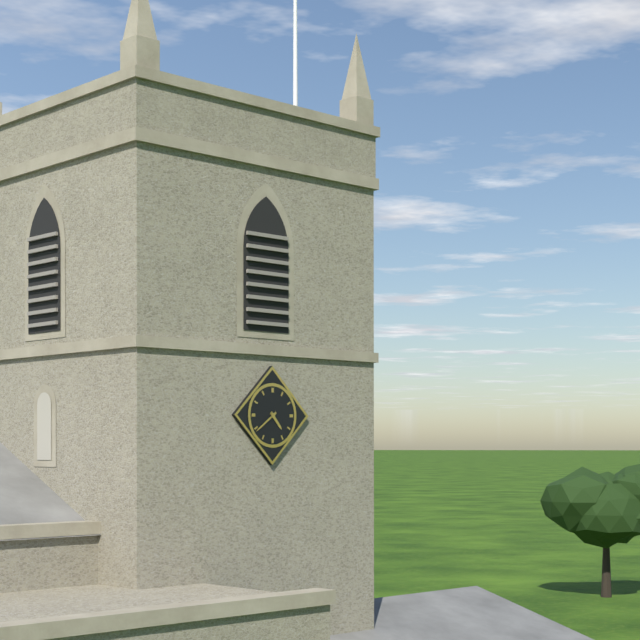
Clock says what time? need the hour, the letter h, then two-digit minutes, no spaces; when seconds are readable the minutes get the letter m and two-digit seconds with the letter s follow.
4h39
